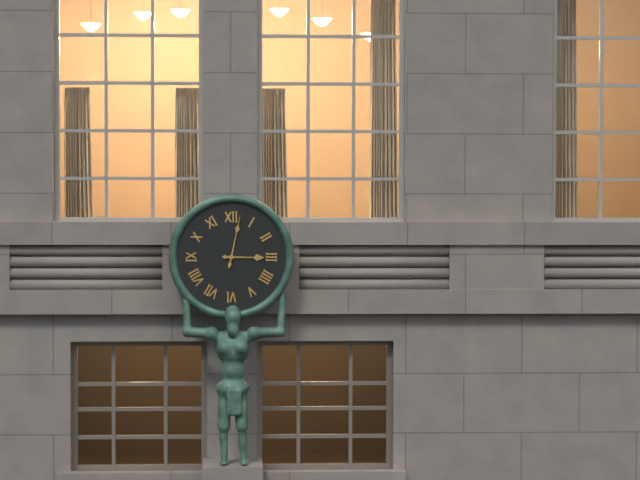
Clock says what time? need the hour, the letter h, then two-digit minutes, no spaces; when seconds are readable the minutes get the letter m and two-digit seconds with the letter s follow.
3h02
